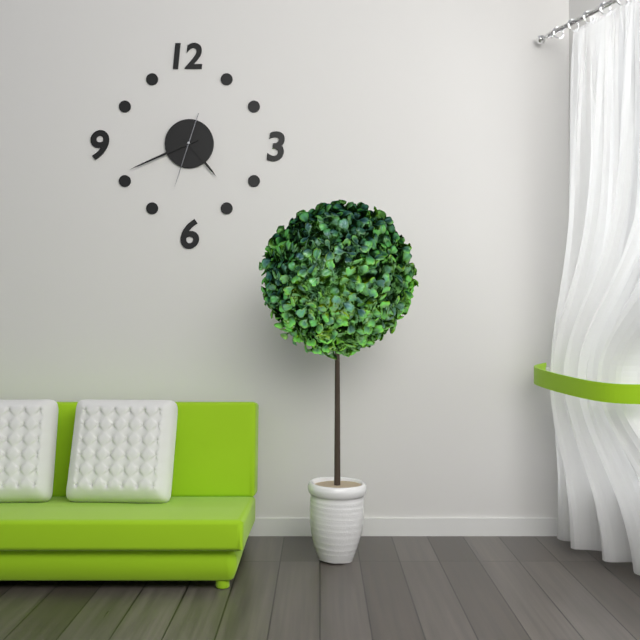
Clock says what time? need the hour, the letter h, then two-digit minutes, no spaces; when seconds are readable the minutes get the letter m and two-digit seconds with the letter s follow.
4h41m33s
